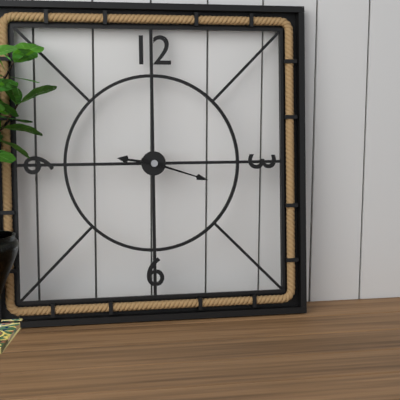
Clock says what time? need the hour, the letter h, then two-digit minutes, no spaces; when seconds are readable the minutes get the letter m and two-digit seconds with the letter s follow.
9h18
